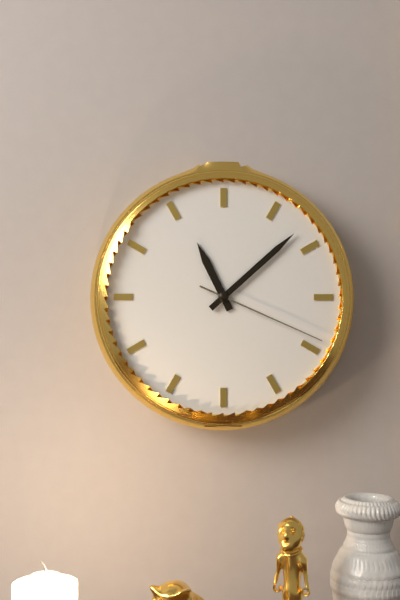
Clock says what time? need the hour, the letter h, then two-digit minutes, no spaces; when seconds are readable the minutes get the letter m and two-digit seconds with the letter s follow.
11h08m19s
